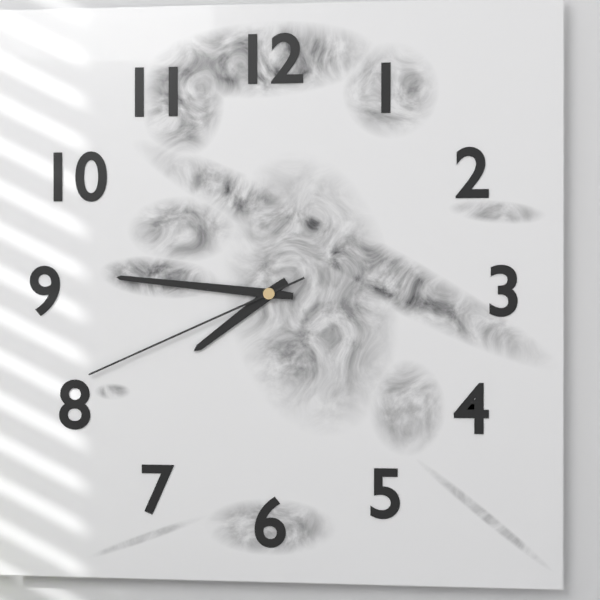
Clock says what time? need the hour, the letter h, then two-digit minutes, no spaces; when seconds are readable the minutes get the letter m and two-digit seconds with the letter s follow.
7h46m41s
